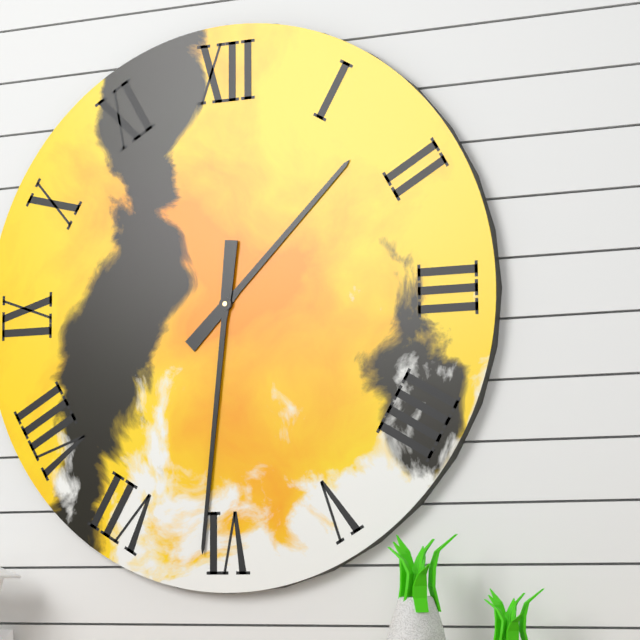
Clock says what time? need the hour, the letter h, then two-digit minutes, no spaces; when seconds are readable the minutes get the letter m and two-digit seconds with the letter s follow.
1h31
